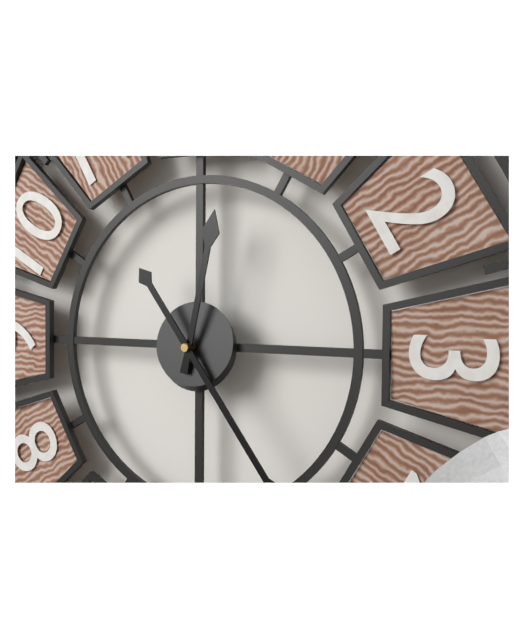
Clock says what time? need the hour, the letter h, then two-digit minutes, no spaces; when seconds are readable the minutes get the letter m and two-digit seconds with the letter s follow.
12h24
